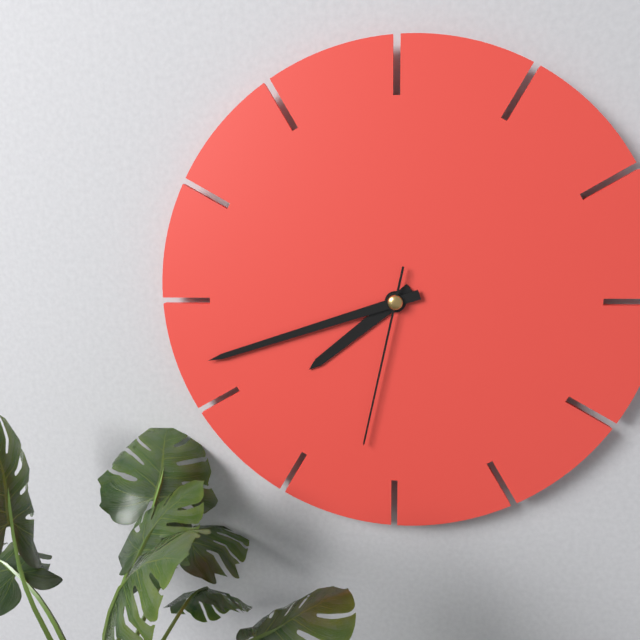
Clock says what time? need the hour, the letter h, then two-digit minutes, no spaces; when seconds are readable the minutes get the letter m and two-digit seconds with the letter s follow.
7h42m32s
